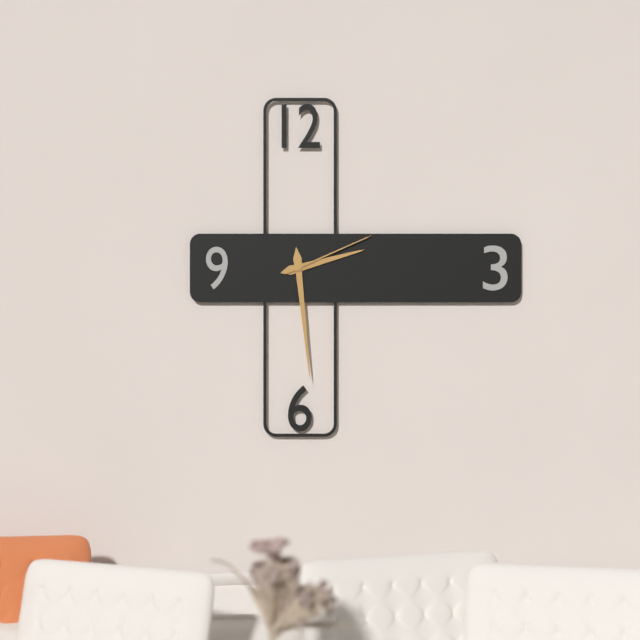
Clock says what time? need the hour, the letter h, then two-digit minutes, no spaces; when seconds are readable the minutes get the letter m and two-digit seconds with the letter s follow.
2h29m11s
